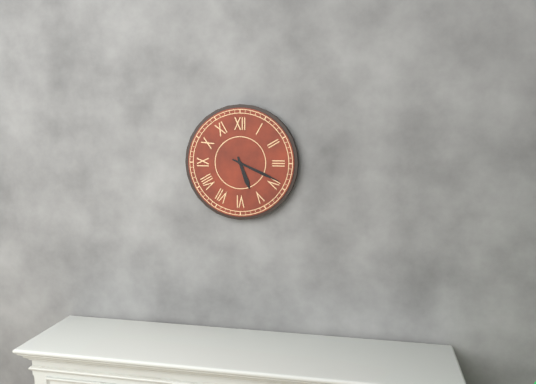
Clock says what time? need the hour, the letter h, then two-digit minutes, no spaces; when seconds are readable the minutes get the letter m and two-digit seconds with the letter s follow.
5h19
